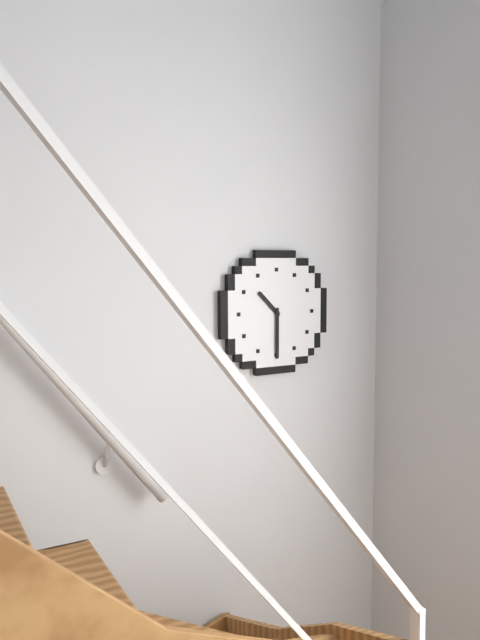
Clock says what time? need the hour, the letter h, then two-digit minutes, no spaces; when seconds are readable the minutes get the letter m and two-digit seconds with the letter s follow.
10h30
